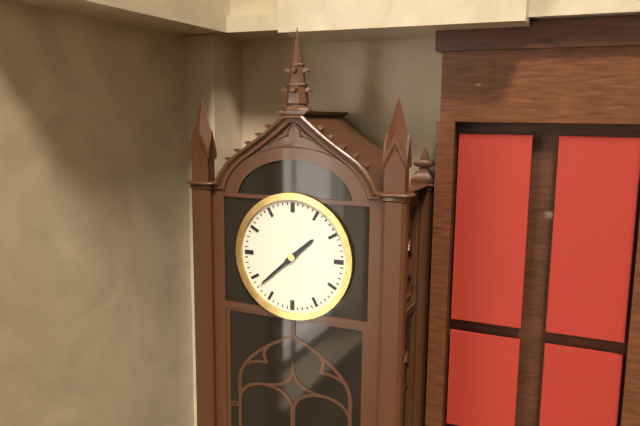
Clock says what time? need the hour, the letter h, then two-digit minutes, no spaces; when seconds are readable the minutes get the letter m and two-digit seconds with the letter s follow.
1h38
